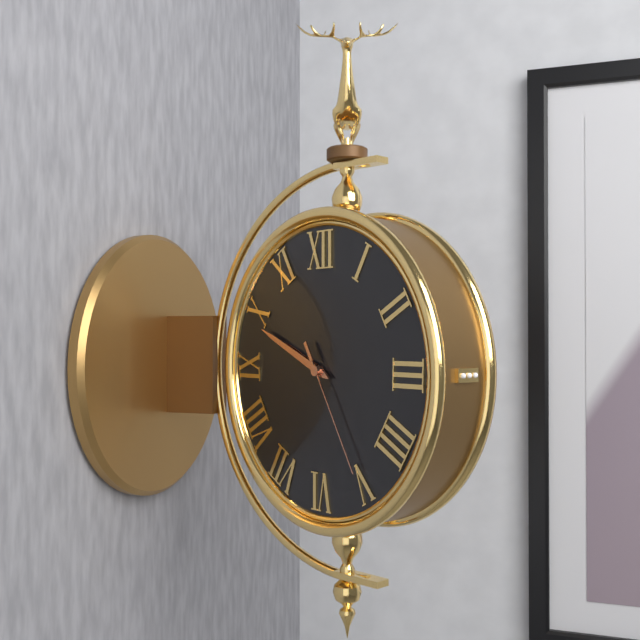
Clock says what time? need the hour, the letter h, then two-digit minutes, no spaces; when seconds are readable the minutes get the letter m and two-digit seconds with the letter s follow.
9h49m25s
